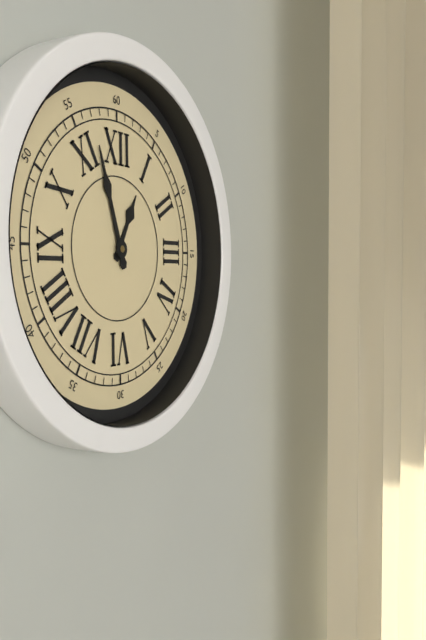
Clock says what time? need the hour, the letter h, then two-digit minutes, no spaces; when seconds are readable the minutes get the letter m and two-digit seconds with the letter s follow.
12h57
